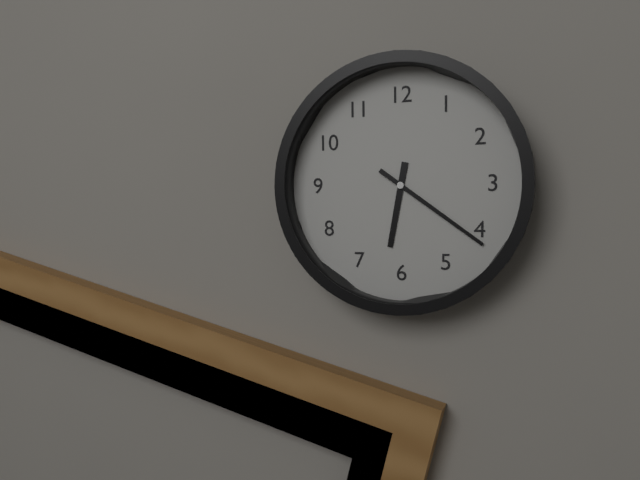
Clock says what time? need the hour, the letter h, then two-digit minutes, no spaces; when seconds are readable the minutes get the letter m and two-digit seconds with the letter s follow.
6h21
